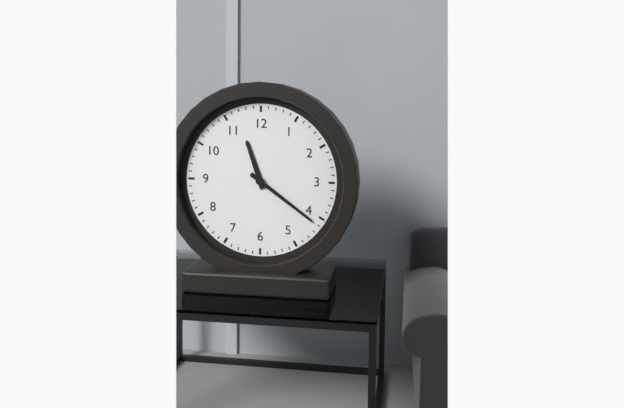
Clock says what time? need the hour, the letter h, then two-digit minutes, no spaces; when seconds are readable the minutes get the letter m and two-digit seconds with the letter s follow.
11h21
